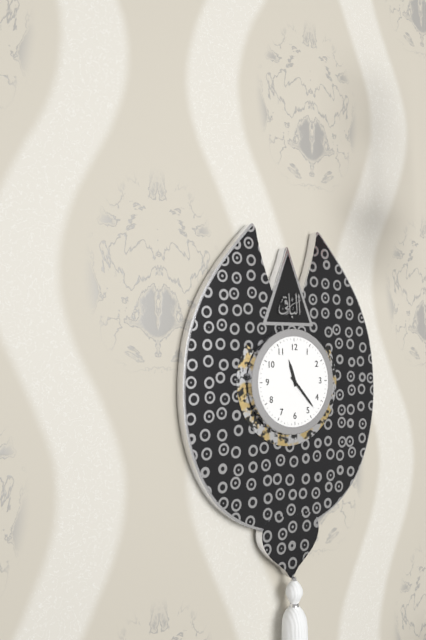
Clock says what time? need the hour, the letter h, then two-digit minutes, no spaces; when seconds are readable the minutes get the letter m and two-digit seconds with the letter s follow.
11h23
